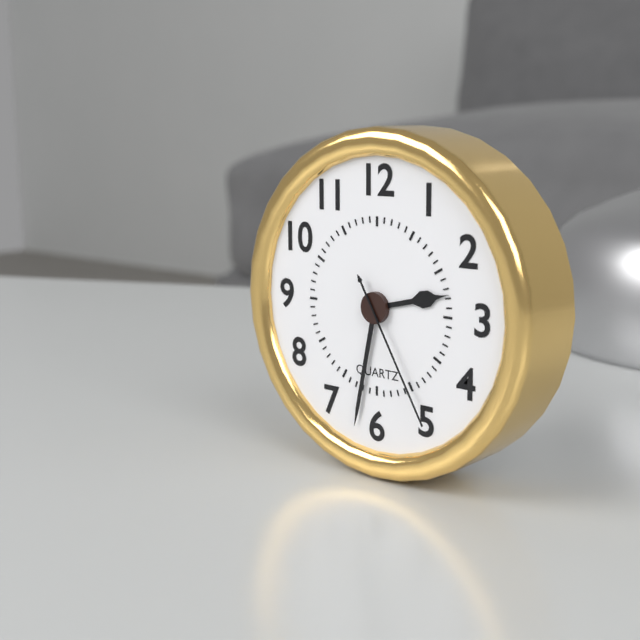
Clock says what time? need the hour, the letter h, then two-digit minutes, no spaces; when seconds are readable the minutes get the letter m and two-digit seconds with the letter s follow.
2h32m25s
